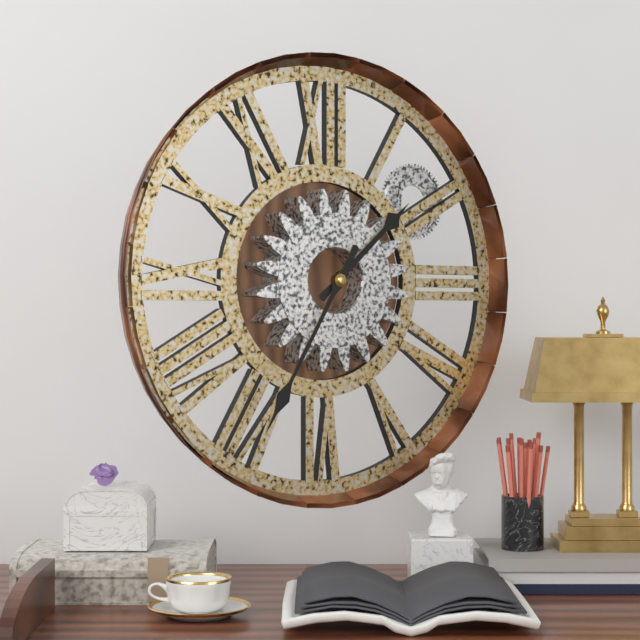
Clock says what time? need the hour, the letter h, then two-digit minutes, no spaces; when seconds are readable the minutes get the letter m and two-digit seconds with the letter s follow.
1h35
